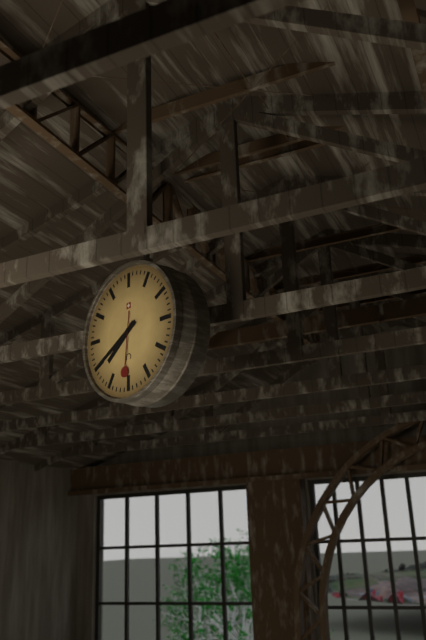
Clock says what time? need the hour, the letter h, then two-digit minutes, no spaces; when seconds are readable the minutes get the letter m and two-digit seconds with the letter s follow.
7h40m31s
